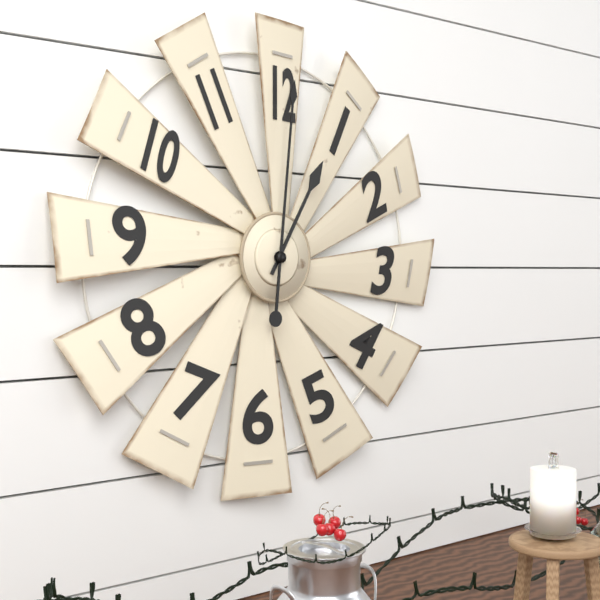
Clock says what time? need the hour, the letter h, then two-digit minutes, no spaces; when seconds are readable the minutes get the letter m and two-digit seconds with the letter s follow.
1h01
